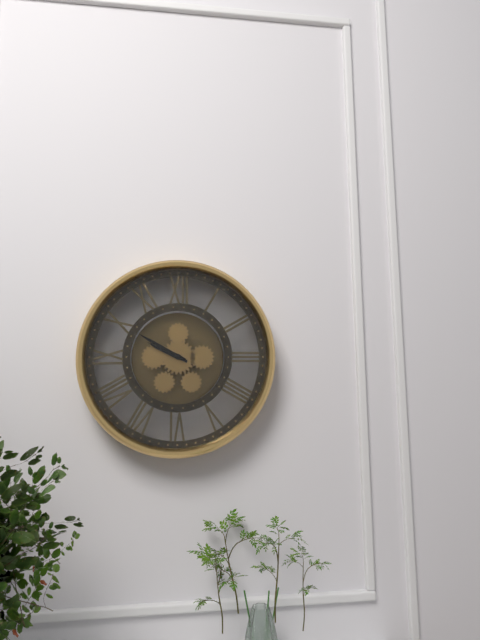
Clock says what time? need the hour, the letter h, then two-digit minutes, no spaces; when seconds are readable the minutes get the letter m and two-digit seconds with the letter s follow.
9h50
